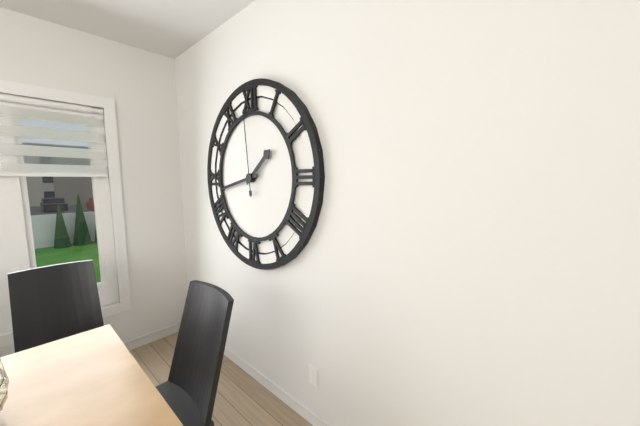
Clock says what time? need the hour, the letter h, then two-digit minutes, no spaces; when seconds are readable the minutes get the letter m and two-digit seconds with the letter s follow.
1h43m59s
